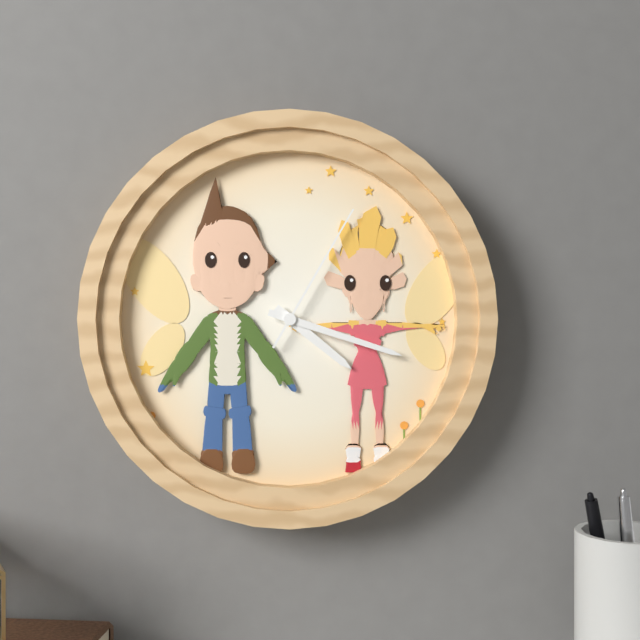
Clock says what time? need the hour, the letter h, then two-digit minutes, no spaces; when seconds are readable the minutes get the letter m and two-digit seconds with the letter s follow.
4h18m05s
